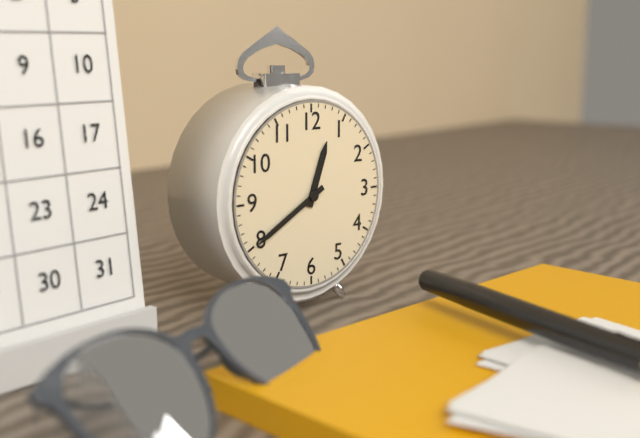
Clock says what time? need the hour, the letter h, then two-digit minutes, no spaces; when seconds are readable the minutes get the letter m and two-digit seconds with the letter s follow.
12h40
